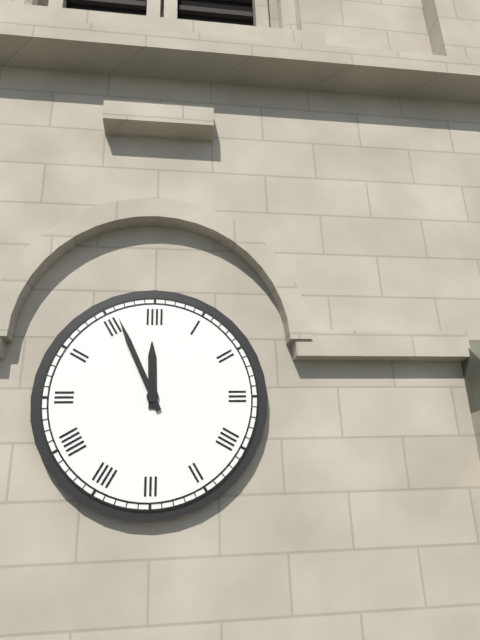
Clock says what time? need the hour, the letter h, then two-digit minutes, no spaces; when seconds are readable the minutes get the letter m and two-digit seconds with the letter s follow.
11h56
